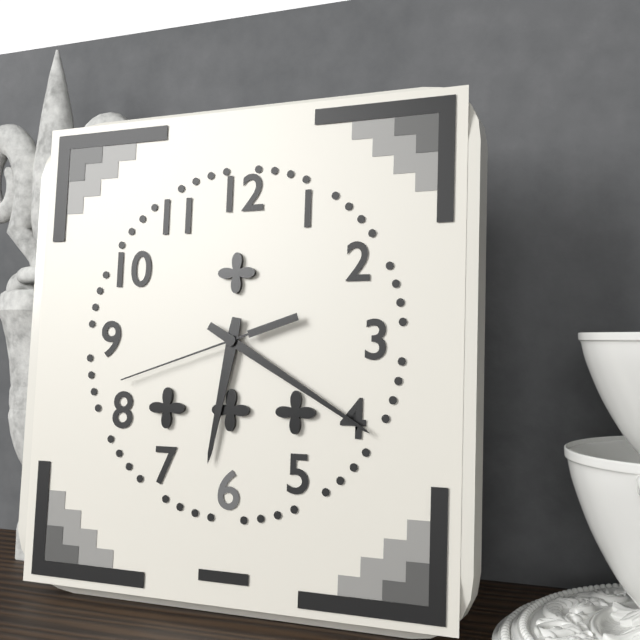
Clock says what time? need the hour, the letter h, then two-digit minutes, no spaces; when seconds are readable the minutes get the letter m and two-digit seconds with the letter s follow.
6h20m42s
